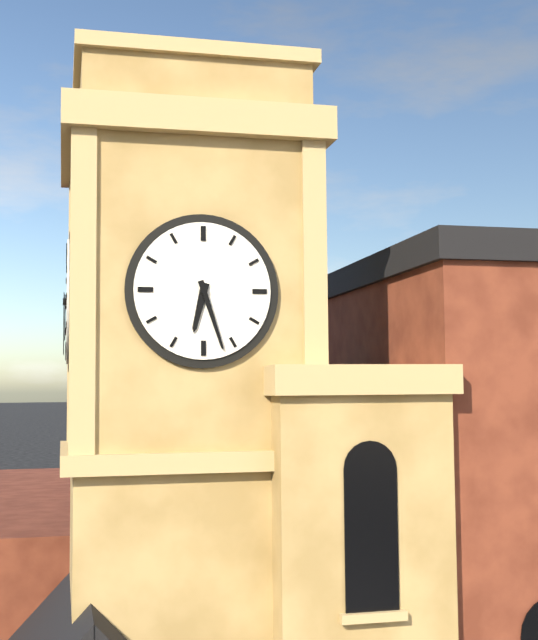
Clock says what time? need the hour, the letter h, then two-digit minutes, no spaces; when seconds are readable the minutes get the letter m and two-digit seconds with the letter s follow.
6h27
